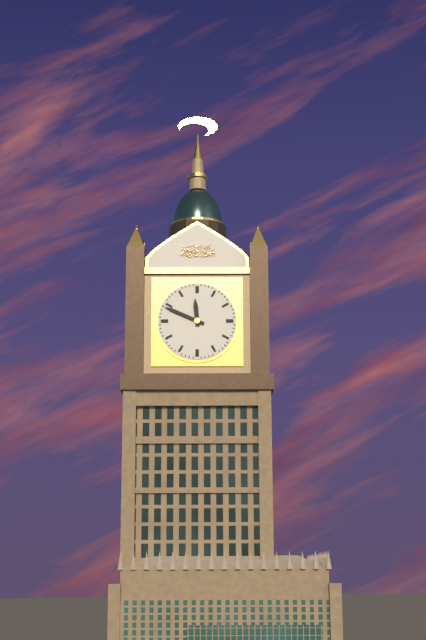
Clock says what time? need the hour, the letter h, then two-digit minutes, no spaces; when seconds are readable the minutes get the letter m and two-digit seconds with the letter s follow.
11h49
